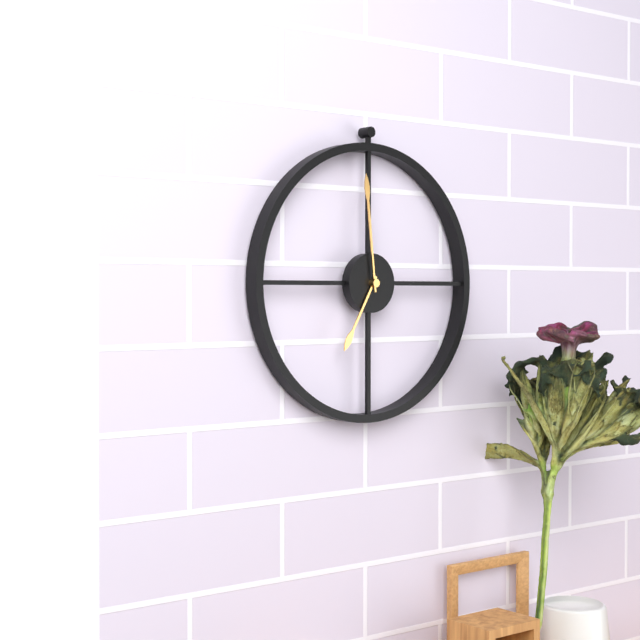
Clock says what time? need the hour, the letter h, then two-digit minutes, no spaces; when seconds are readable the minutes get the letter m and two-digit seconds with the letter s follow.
6h59
